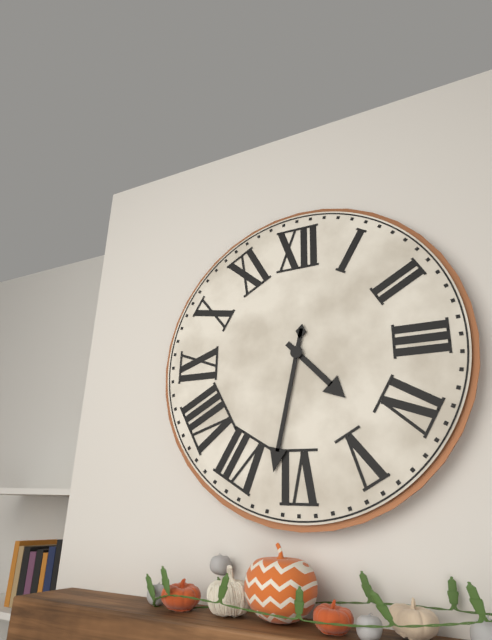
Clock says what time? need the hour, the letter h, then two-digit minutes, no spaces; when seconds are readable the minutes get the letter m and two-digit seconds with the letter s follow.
4h32
